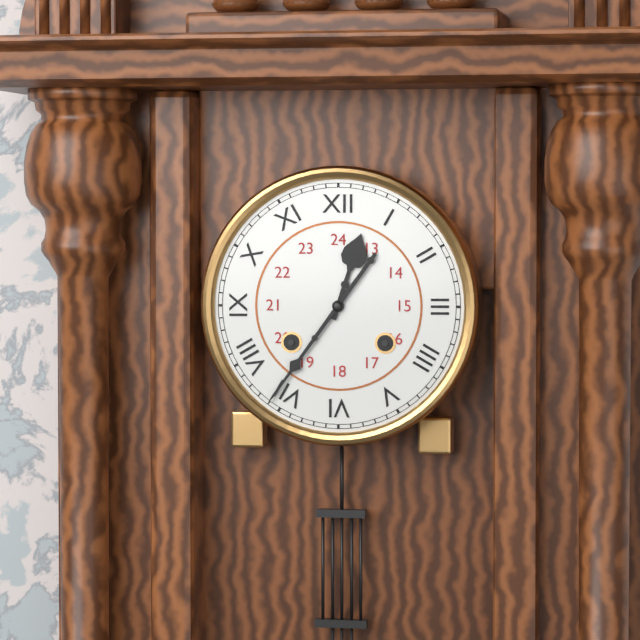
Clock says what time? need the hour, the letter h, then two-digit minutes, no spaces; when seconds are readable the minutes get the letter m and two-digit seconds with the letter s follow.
12h36
